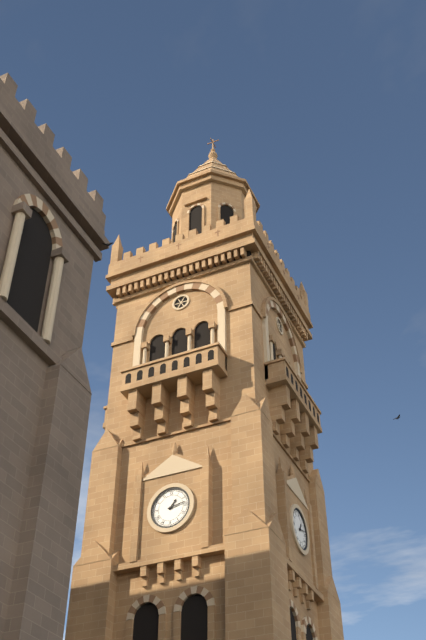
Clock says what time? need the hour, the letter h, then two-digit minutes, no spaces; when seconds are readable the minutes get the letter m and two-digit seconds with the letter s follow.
1h13
